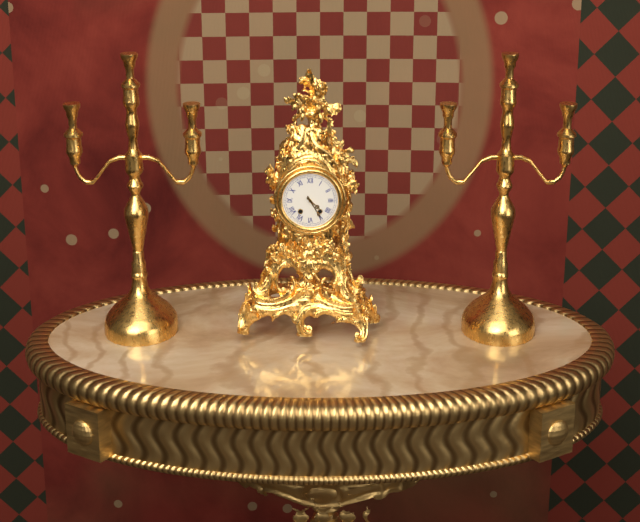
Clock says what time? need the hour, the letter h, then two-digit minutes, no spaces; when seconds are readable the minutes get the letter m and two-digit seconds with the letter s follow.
4h25
